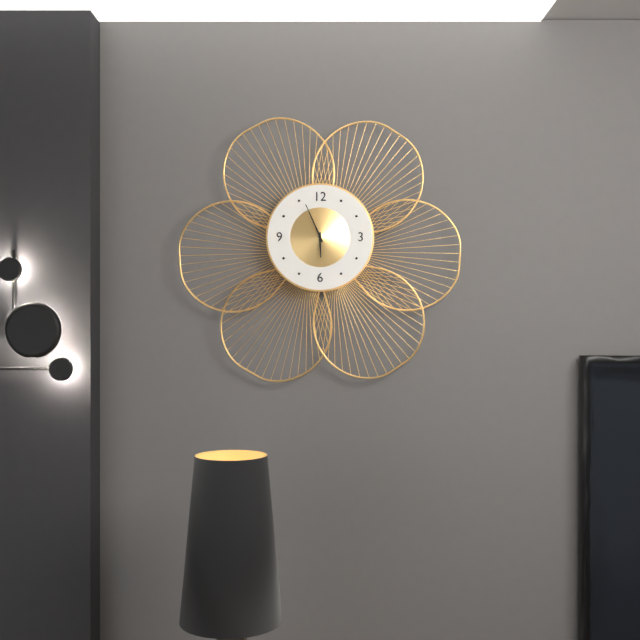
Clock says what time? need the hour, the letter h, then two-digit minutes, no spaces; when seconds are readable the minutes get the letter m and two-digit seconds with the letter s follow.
5h56
